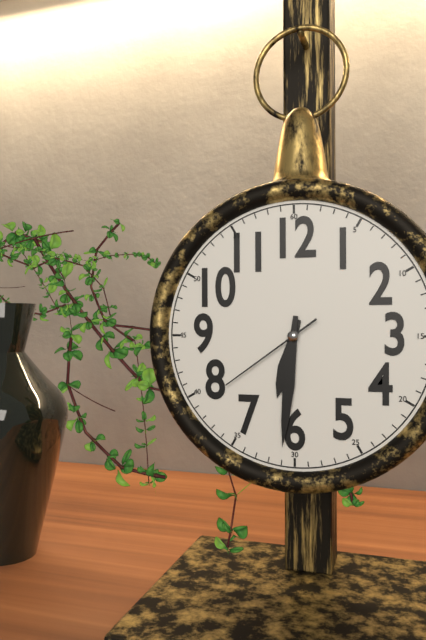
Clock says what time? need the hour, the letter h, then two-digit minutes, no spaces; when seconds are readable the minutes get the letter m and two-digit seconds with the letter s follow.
6h31m39s
